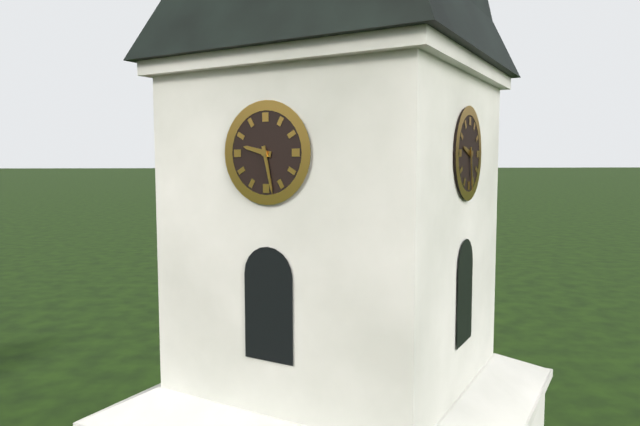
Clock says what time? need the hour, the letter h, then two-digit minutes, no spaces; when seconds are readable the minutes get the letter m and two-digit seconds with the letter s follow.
9h28
